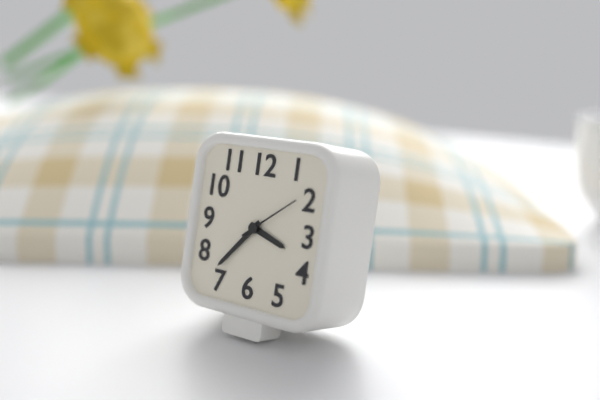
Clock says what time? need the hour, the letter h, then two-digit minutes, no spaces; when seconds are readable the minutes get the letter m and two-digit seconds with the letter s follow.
3h37m09s
